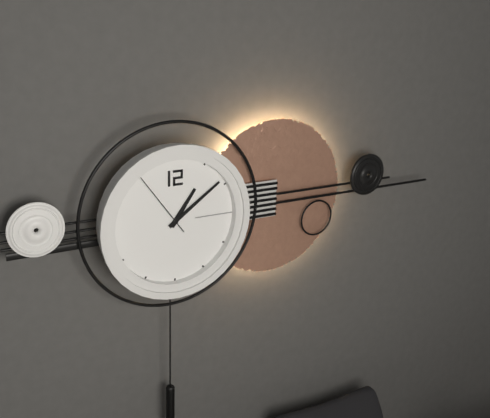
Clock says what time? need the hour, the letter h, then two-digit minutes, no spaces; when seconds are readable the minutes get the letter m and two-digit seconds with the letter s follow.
1h09m54s
